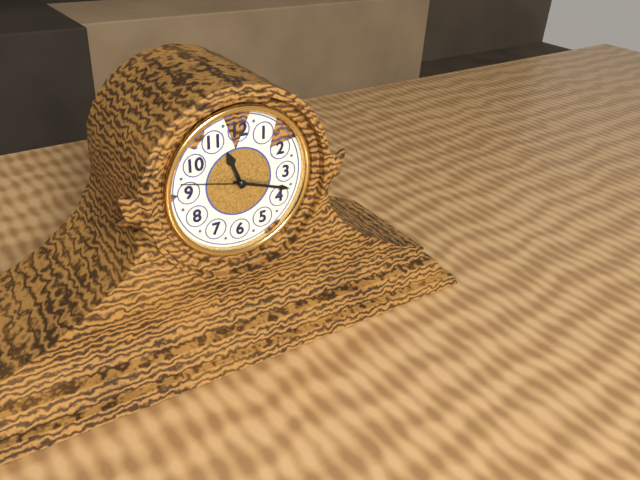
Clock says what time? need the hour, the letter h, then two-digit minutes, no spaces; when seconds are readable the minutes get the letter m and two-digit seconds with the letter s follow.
11h18m47s
